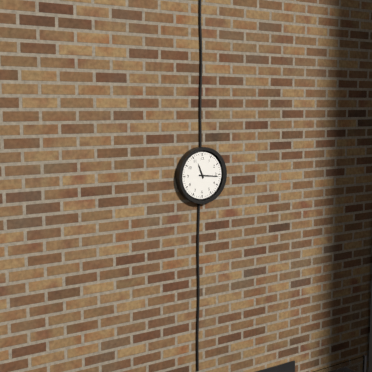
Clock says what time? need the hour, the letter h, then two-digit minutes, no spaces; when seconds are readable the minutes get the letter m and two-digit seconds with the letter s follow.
11h16
